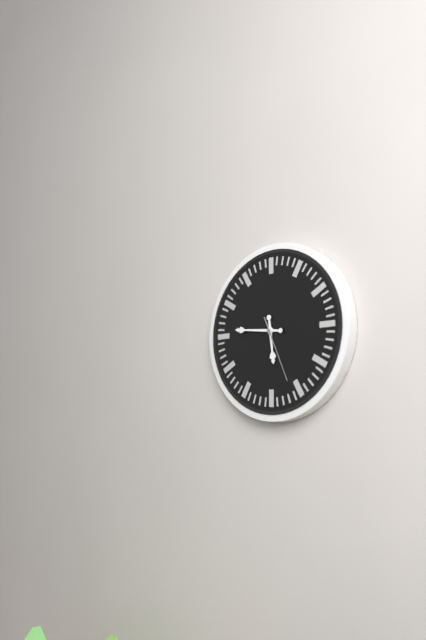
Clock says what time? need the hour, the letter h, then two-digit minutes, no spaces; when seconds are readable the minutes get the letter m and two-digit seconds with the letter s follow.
5h46m26s
